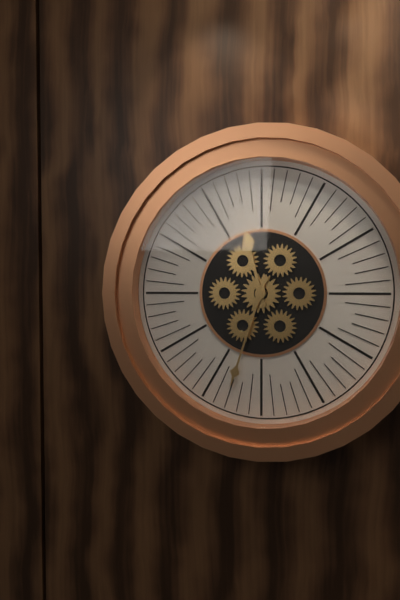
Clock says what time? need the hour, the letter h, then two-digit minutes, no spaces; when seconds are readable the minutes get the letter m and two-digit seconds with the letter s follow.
11h33
